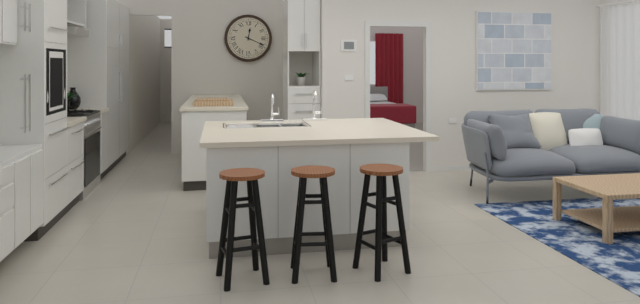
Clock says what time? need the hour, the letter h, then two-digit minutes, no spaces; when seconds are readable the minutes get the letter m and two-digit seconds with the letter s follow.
12h19
